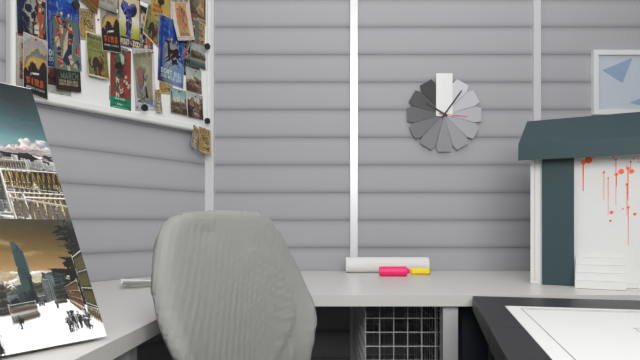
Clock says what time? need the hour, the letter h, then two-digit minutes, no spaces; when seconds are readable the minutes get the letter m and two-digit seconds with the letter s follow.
10h06
